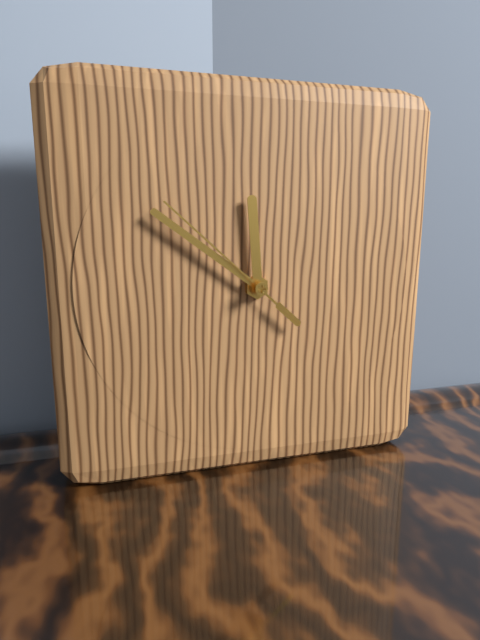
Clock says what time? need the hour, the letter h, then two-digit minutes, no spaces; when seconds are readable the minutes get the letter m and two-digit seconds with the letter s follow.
11h51m52s
